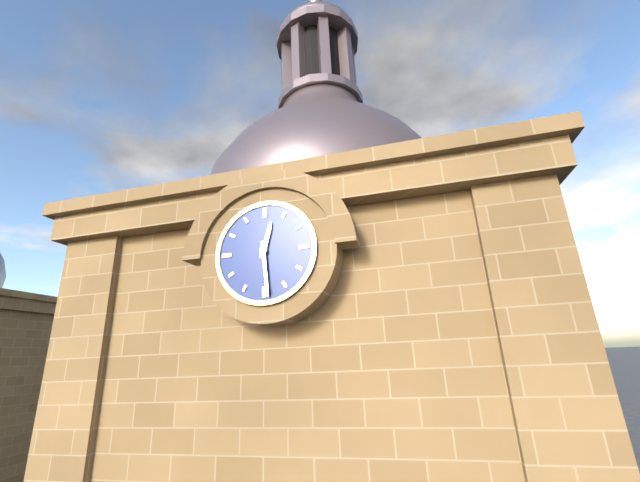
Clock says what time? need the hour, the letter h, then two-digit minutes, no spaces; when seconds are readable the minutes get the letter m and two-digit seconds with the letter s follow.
12h29
